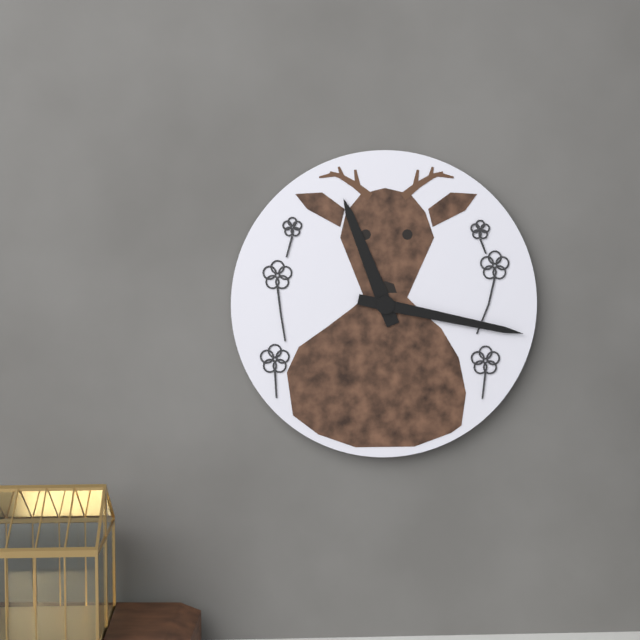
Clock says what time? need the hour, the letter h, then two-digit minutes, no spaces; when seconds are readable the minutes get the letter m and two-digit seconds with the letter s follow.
11h17
